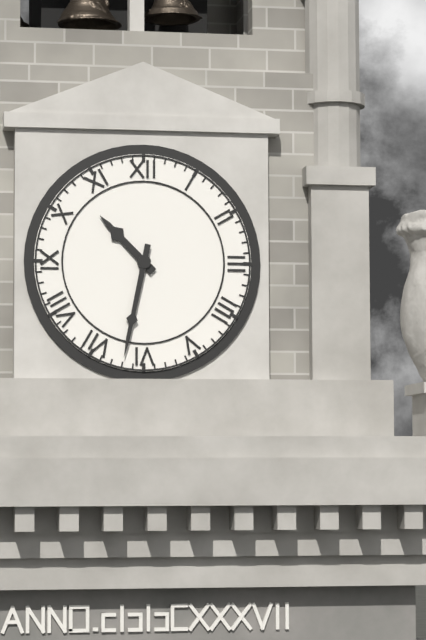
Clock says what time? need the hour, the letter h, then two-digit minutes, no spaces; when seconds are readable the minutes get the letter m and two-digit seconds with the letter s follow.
10h32
